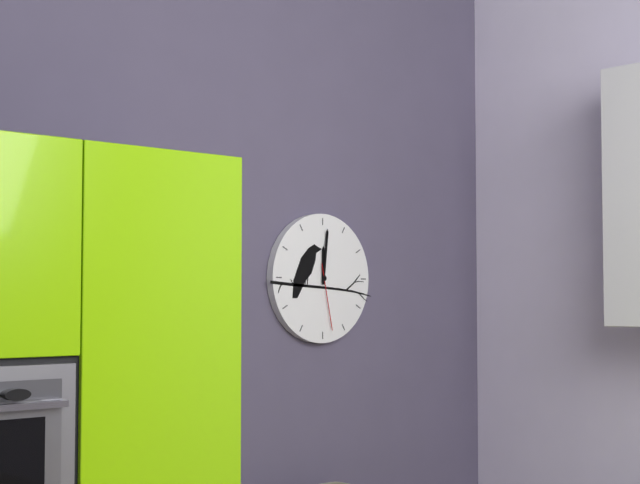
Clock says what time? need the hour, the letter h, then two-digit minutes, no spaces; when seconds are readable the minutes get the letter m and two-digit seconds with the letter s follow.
12h01m28s
